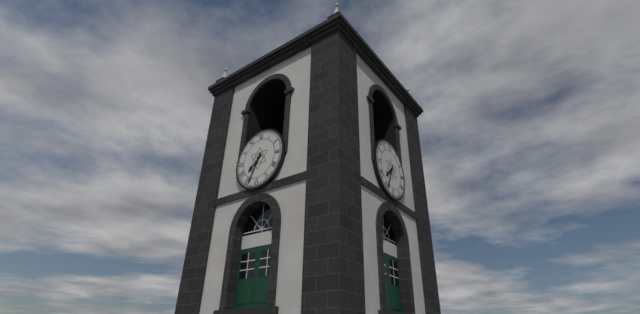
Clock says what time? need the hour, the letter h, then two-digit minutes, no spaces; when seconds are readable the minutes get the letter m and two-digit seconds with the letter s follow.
7h34
